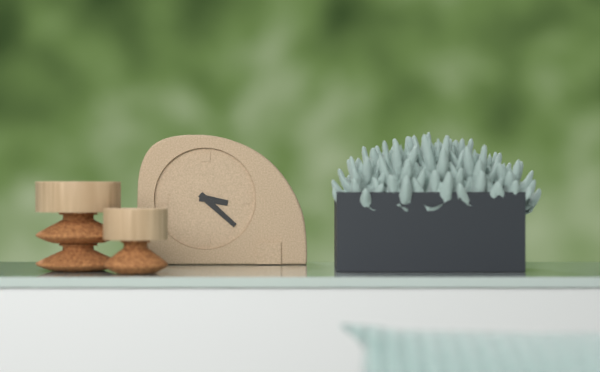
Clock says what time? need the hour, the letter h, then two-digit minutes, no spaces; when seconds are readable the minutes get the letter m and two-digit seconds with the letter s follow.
3h22
